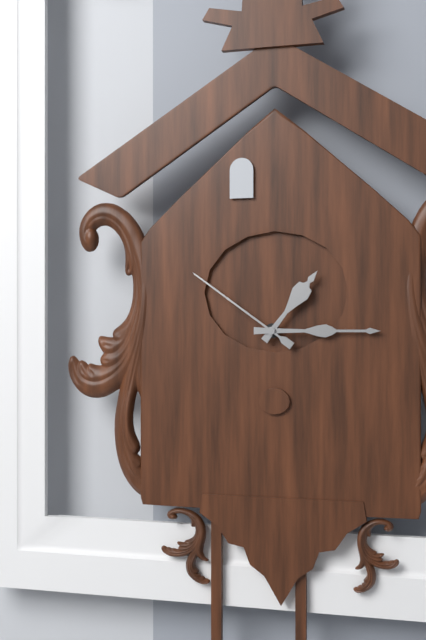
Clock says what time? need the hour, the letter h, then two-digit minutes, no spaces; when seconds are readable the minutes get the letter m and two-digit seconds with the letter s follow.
1h15m51s
